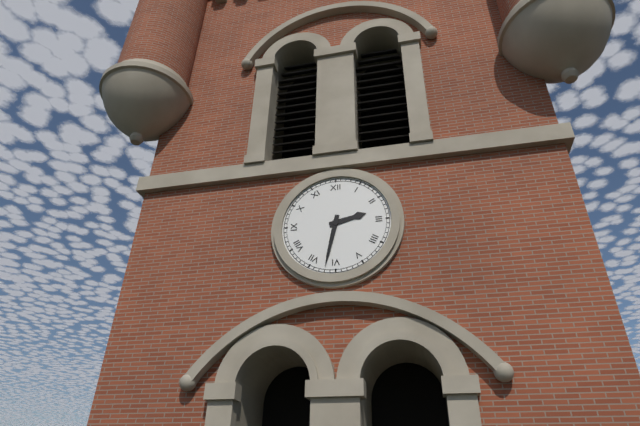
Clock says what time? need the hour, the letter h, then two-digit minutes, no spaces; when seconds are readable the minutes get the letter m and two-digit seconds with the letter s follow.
2h32
